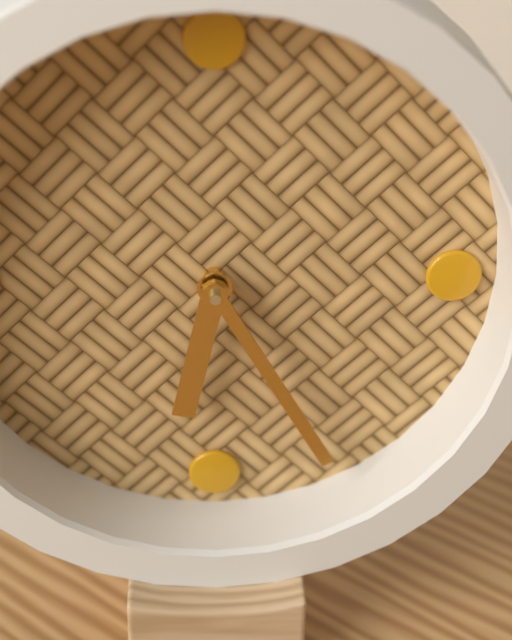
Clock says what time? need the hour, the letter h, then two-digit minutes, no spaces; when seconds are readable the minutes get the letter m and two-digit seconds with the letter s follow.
6h25
